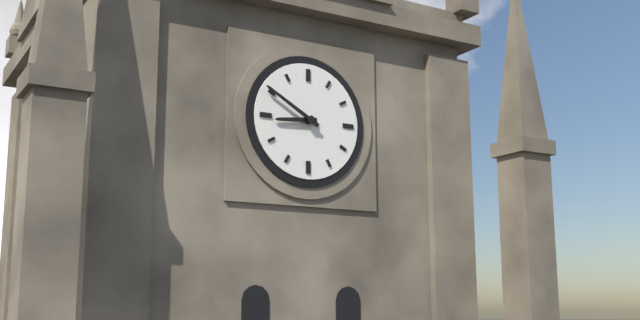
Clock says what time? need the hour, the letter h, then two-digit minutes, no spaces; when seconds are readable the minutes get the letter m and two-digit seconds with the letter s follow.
8h50
